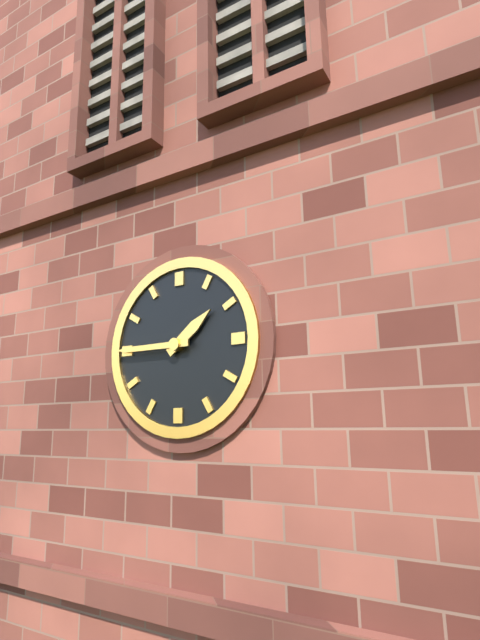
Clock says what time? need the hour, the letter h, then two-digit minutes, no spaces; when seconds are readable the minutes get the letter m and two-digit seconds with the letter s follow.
1h45
